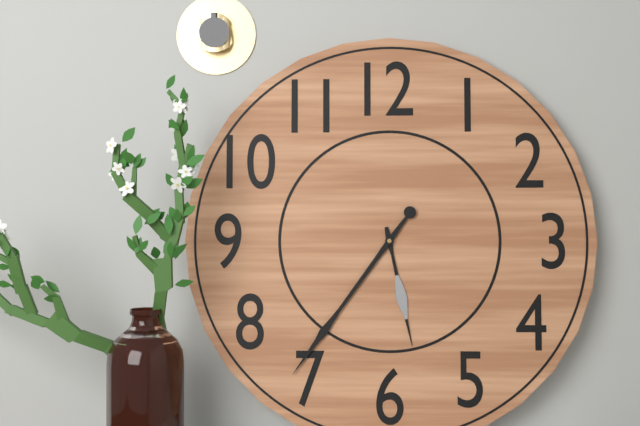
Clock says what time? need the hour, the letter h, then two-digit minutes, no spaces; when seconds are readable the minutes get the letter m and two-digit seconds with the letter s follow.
5h36
